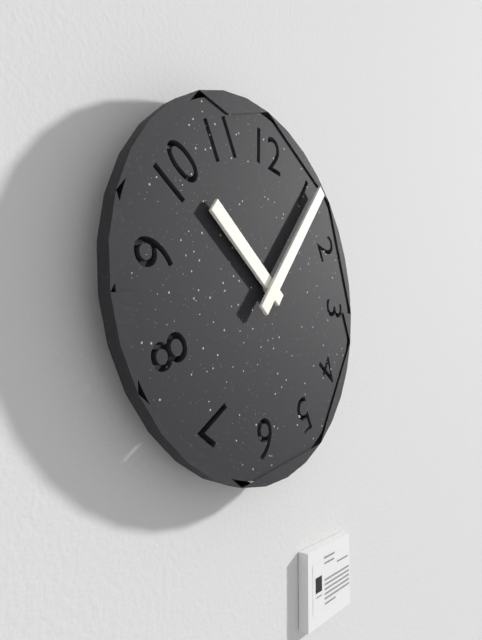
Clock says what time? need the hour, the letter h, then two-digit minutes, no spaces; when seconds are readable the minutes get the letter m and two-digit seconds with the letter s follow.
10h06
